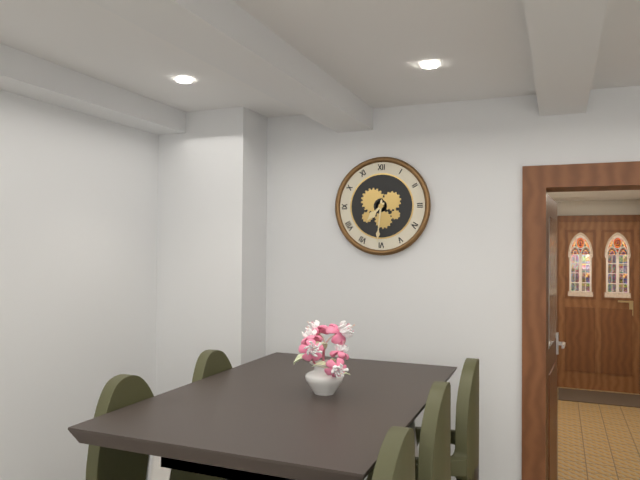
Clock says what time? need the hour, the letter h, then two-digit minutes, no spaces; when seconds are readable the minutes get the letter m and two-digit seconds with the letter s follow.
7h31
